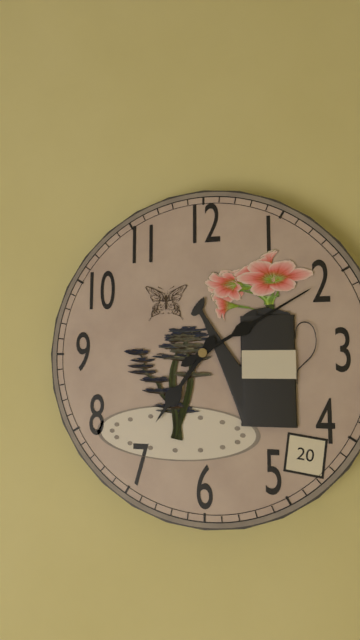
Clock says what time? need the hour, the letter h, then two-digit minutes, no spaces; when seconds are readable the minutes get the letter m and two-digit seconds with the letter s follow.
7h10
